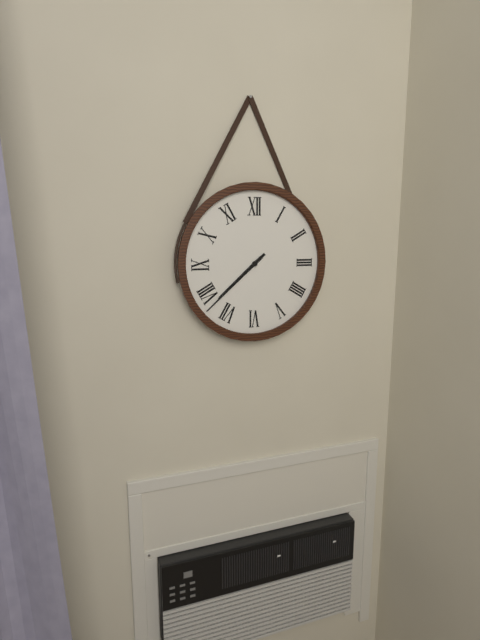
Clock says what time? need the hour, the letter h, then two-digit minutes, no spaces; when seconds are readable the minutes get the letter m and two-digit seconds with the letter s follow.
7h38
